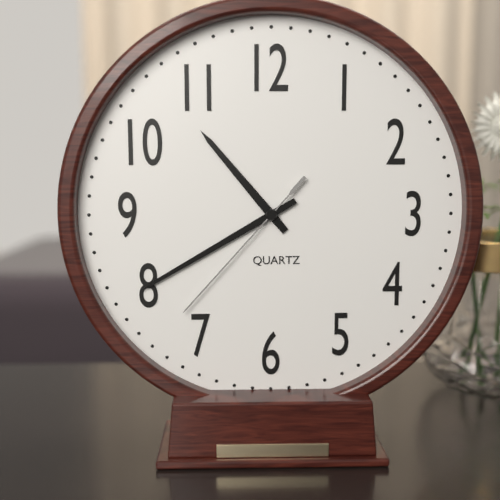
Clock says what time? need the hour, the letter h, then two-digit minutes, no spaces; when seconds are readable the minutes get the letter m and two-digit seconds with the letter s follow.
10h40m37s
